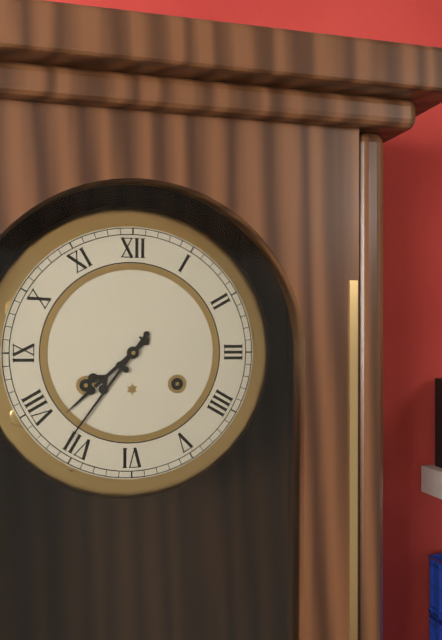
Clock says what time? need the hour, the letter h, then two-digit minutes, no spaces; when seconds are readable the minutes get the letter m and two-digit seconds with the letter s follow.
7h36
